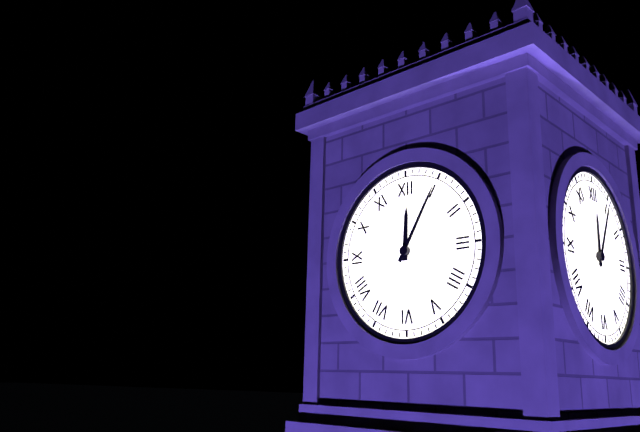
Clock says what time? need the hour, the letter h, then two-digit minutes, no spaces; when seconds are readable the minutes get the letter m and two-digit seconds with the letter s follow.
12h05
